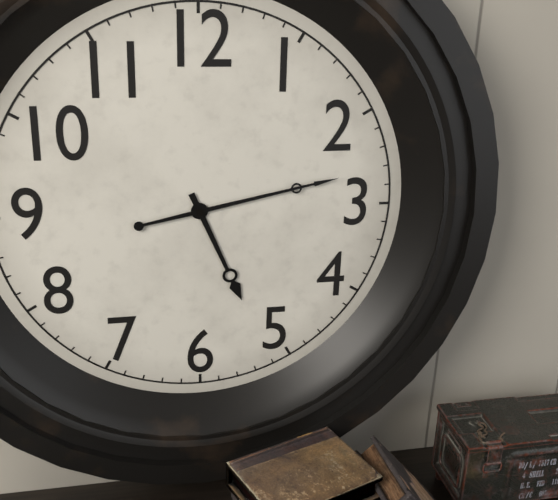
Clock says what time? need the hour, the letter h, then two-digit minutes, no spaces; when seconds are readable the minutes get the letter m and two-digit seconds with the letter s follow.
5h13
